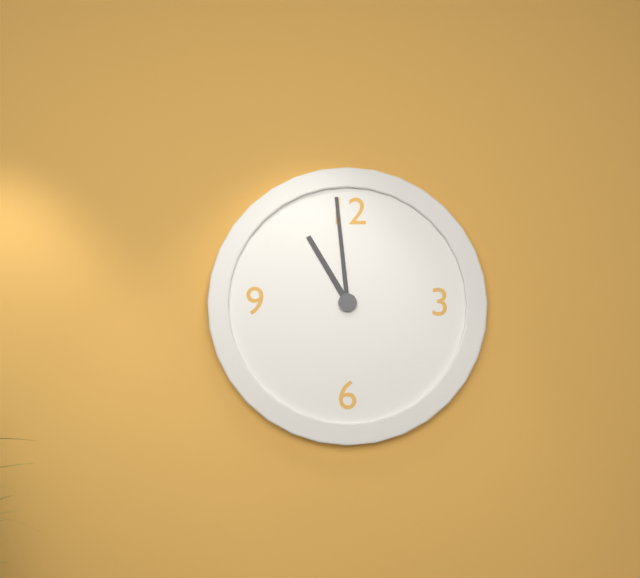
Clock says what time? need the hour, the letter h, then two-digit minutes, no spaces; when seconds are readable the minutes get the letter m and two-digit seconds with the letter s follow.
10h59
